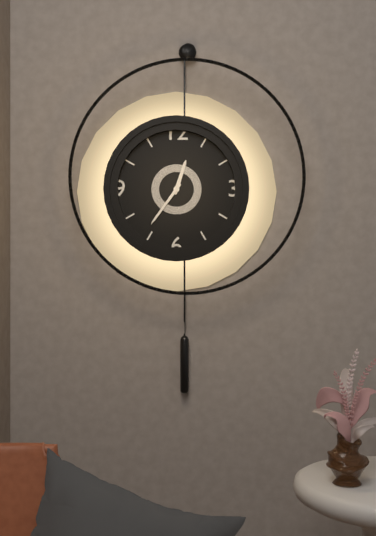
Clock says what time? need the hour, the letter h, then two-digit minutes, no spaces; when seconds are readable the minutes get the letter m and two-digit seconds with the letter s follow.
12h36
